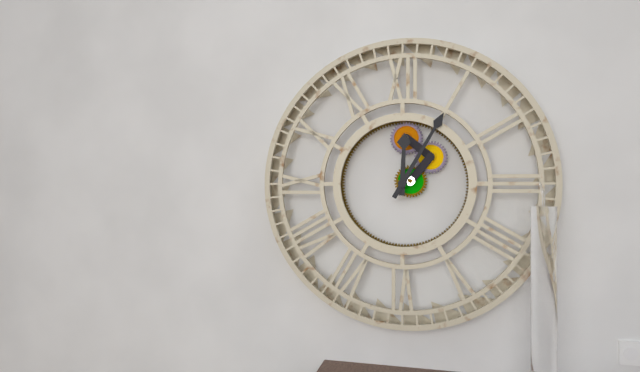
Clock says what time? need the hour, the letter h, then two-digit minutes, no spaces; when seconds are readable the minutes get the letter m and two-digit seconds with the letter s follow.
12h05
